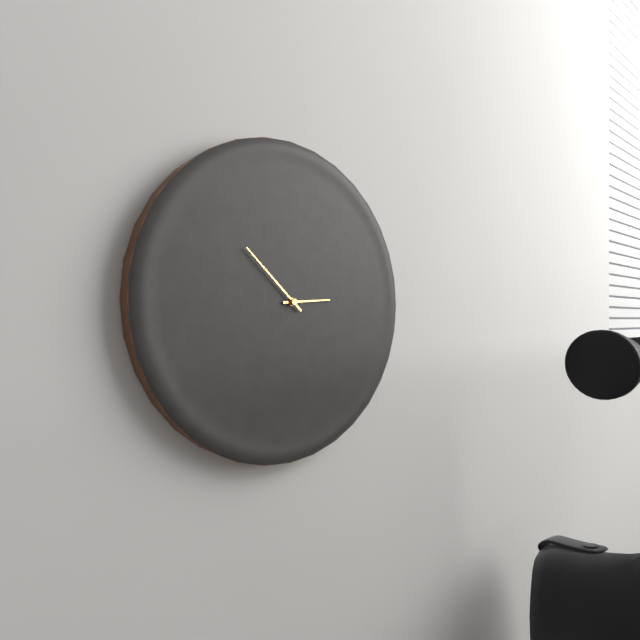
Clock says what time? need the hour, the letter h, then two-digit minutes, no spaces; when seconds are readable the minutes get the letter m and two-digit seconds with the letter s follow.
2h52
